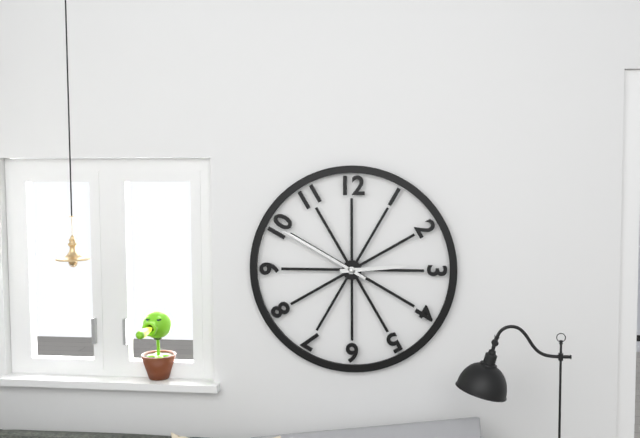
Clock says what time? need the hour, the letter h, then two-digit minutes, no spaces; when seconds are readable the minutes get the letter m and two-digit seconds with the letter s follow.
2h50
